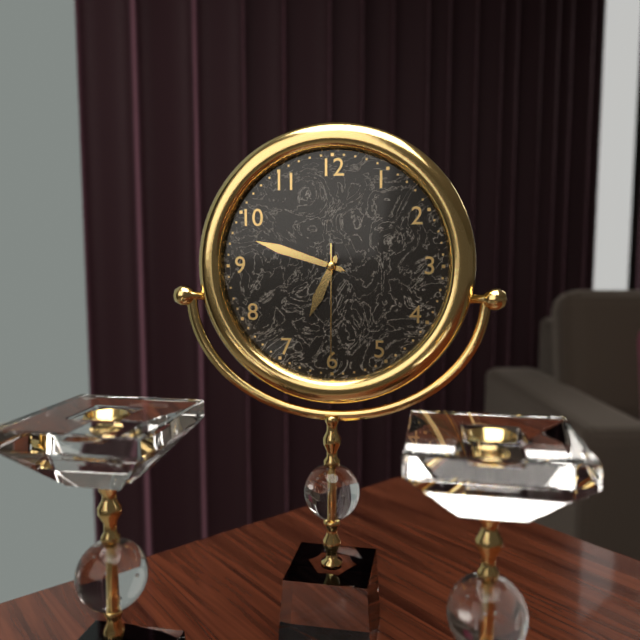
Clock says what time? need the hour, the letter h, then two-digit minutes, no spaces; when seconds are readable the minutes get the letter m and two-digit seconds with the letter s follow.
6h48m30s
